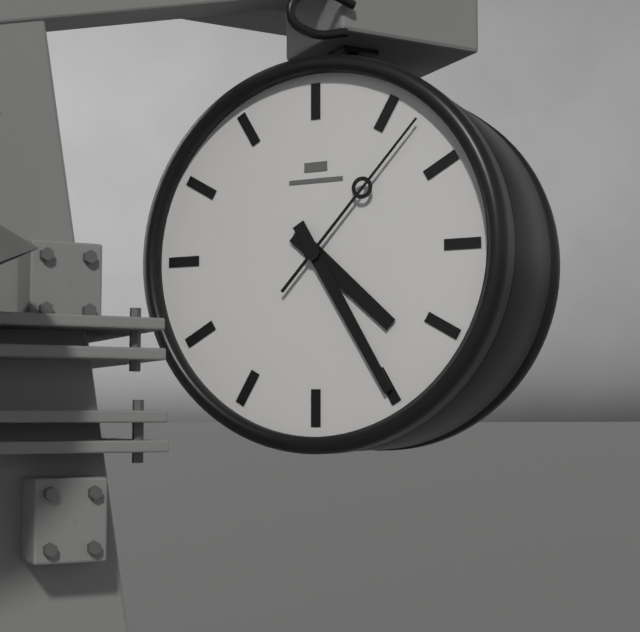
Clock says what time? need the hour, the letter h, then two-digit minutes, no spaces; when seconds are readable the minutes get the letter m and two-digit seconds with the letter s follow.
4h25m07s
